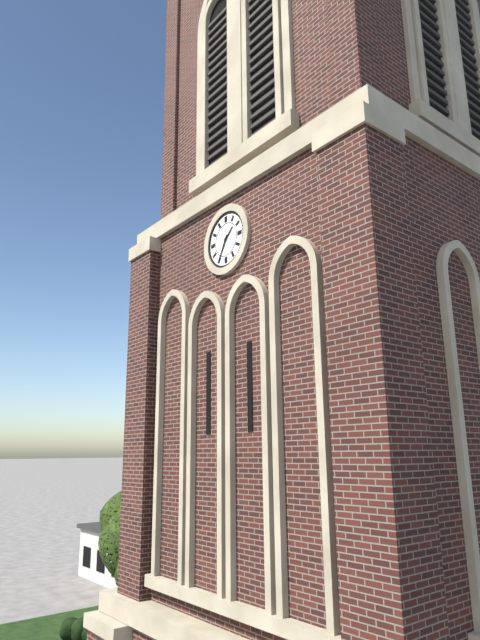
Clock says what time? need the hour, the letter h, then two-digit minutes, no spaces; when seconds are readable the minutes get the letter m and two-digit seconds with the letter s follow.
1h35
